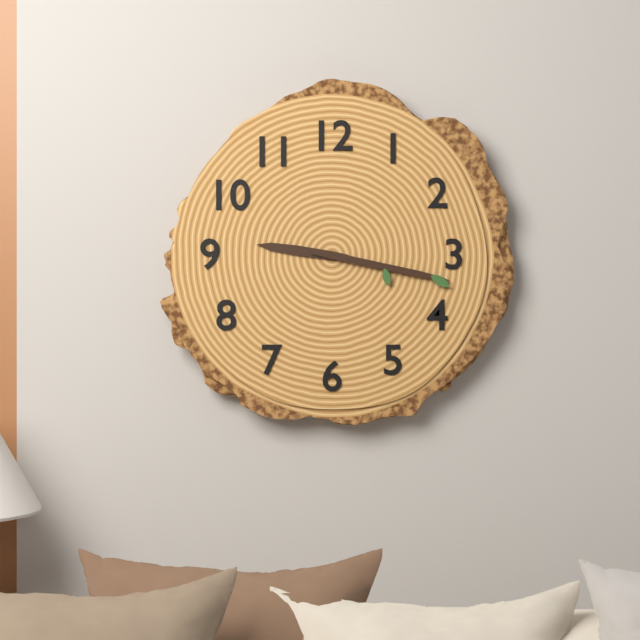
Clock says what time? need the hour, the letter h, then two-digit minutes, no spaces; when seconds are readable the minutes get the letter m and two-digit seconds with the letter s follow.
9h17
